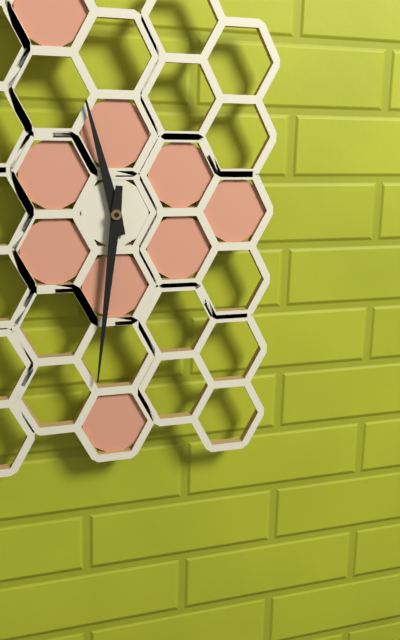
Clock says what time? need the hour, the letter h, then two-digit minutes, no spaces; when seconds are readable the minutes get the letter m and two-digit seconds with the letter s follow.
11h31
